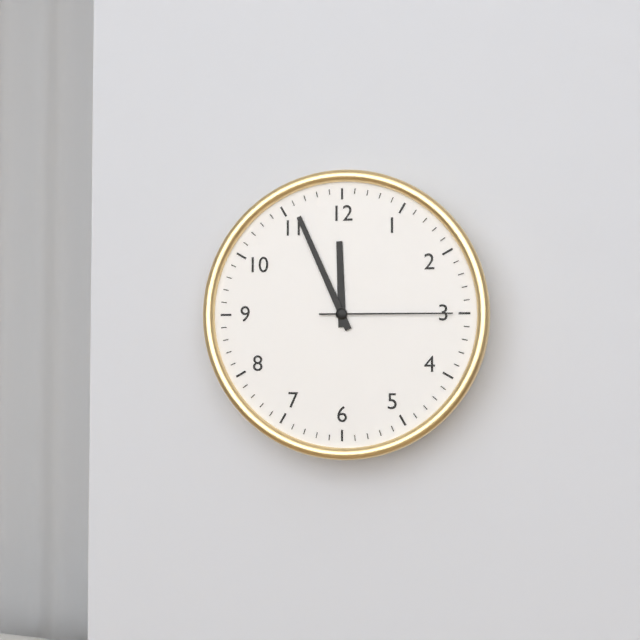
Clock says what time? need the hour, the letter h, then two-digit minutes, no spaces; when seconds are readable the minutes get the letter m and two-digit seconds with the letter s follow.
11h56m15s
